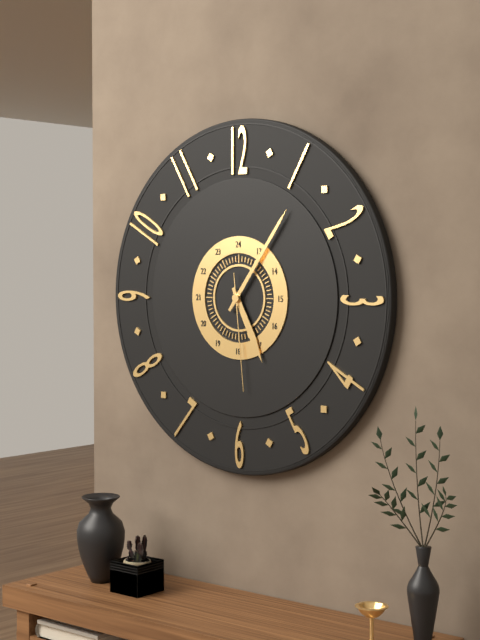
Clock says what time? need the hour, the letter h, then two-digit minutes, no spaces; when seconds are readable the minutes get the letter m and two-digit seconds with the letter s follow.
5h06m29s
